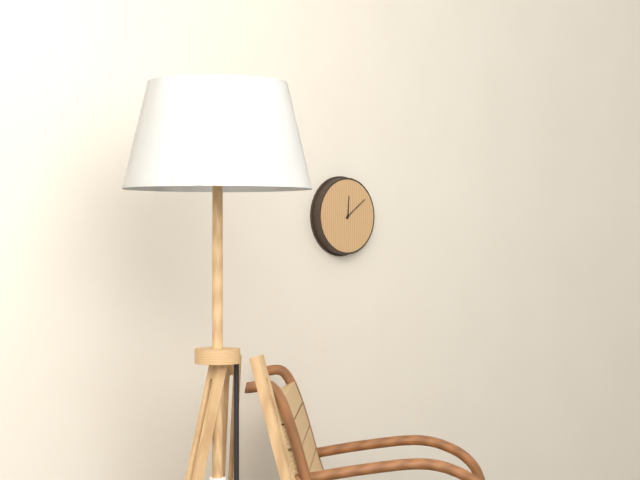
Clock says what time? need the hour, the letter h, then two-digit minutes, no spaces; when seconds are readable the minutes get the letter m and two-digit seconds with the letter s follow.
12h09
